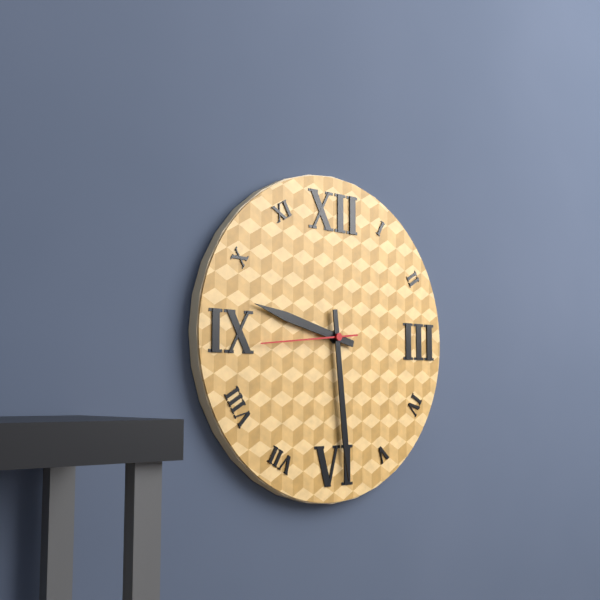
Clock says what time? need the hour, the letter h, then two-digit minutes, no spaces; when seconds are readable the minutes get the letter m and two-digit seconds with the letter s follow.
9h29m44s
